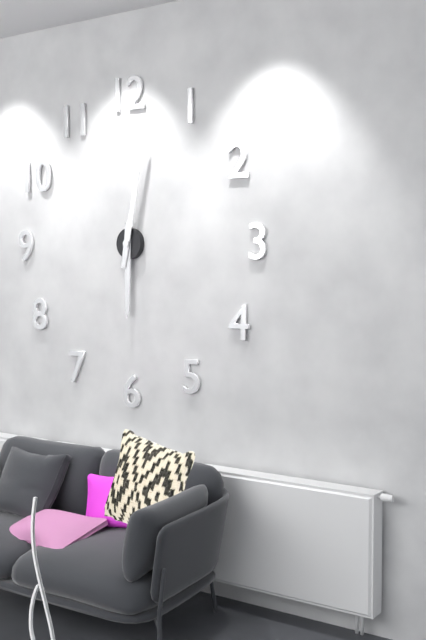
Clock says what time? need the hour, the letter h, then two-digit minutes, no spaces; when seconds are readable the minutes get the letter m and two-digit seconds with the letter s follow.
6h02
